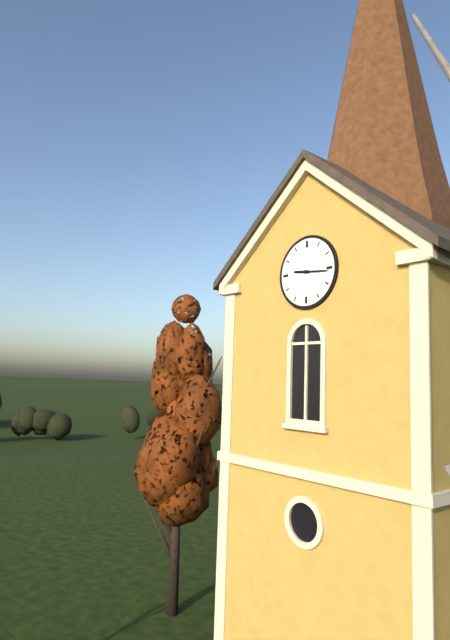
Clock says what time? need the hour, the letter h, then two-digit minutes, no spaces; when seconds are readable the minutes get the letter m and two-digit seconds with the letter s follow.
9h16
